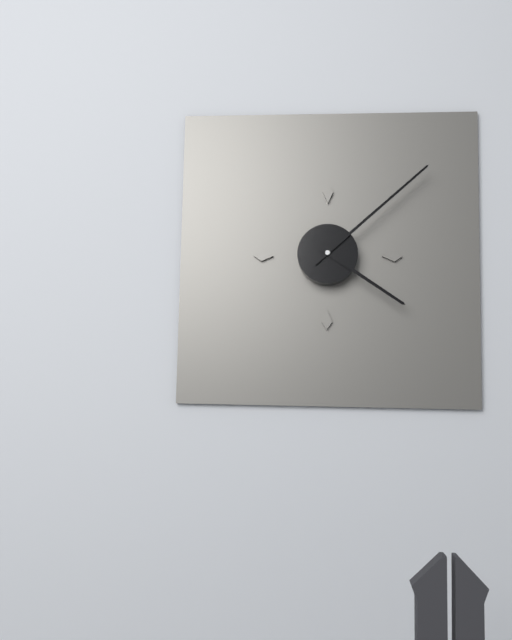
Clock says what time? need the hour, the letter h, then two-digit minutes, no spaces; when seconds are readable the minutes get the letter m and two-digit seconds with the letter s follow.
4h08
